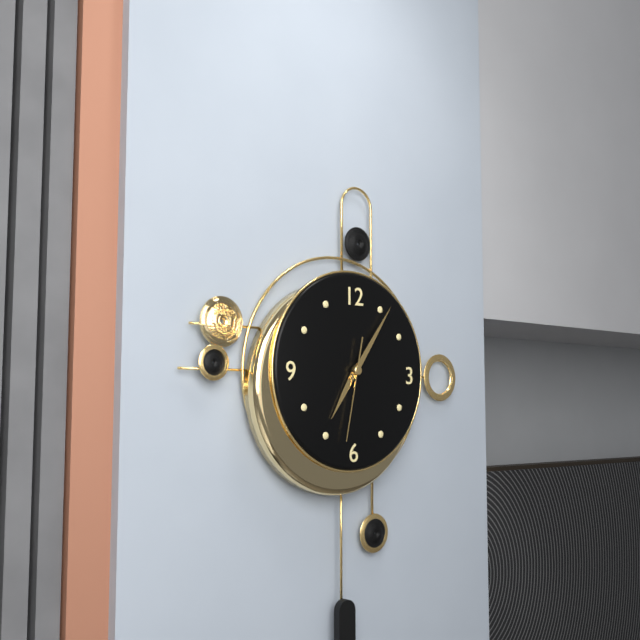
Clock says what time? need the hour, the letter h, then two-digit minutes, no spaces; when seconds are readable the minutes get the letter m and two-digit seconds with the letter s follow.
7h06m32s
